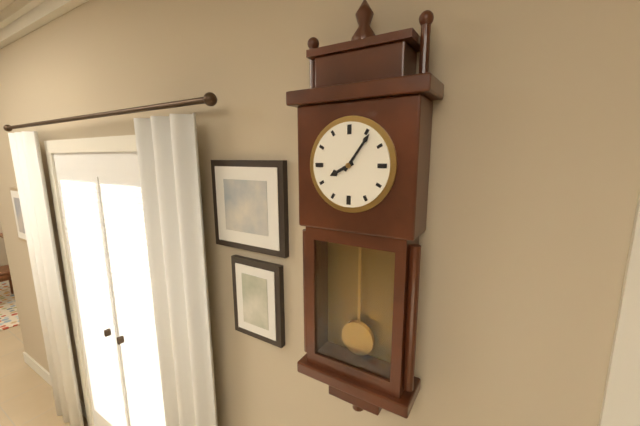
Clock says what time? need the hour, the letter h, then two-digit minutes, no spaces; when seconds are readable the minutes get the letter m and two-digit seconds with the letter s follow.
8h06
